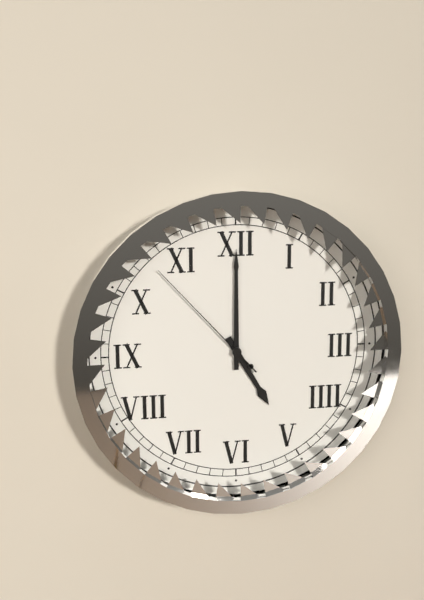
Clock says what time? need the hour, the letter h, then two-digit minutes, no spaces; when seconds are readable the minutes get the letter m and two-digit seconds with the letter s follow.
5h00m53s
